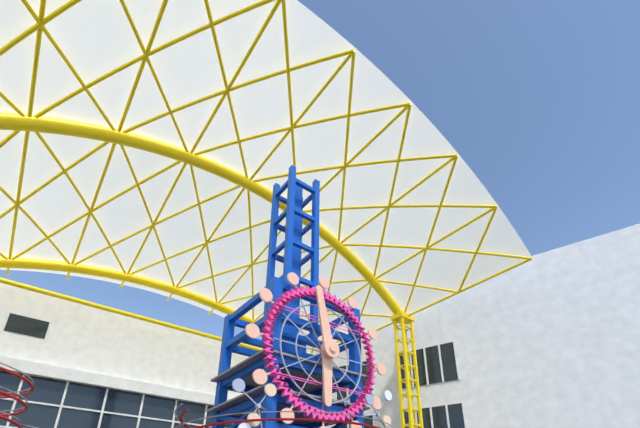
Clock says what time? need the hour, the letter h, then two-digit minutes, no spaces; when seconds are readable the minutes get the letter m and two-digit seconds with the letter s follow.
5h58
